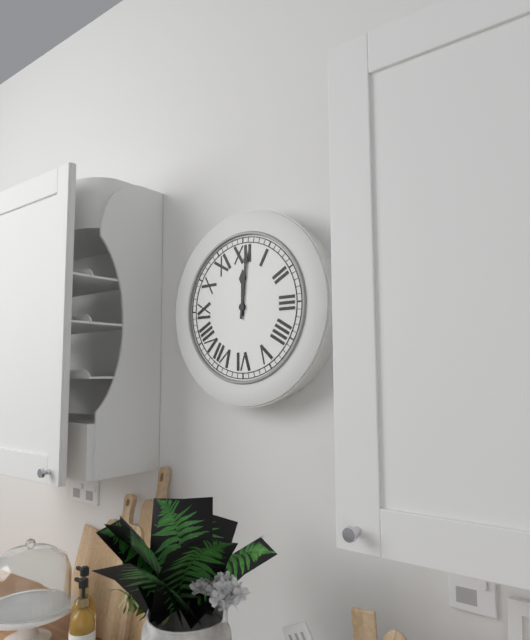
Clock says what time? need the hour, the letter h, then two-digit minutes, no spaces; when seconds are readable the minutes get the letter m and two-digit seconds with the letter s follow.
12h01
